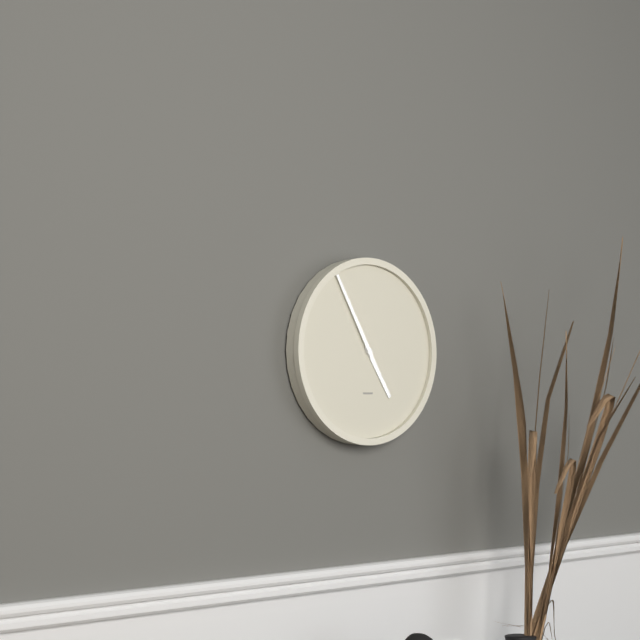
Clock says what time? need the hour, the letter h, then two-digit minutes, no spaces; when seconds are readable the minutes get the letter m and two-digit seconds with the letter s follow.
4h55
